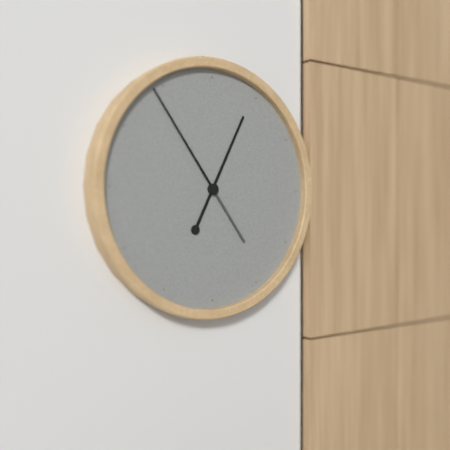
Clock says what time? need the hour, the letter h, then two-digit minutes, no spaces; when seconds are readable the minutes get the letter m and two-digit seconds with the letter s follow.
12h54
